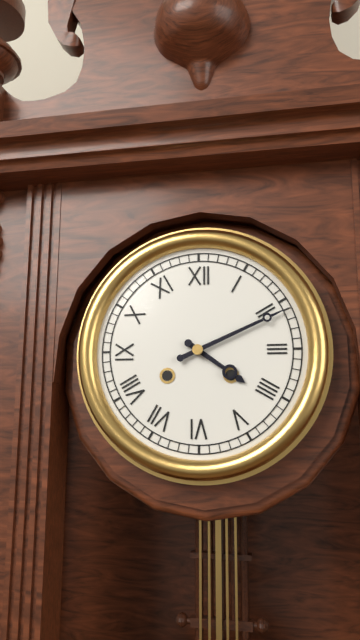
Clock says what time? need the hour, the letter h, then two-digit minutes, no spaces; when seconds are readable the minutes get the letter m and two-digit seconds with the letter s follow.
4h11
